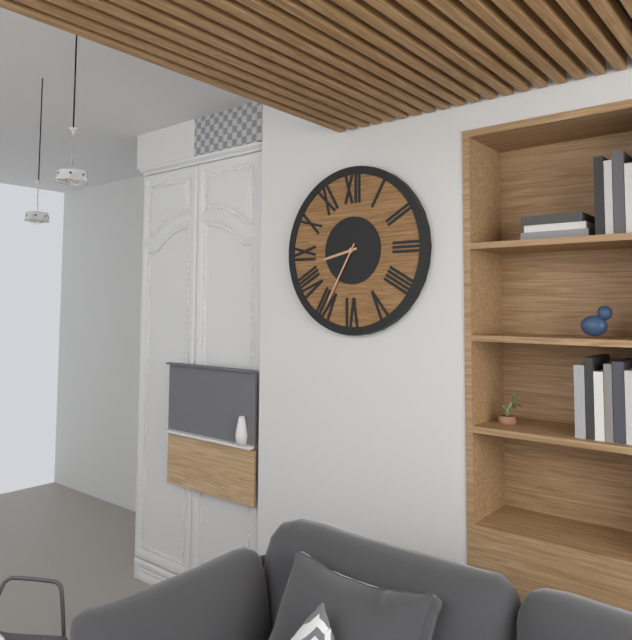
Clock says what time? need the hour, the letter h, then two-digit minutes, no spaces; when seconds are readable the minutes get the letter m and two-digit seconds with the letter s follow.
8h35
